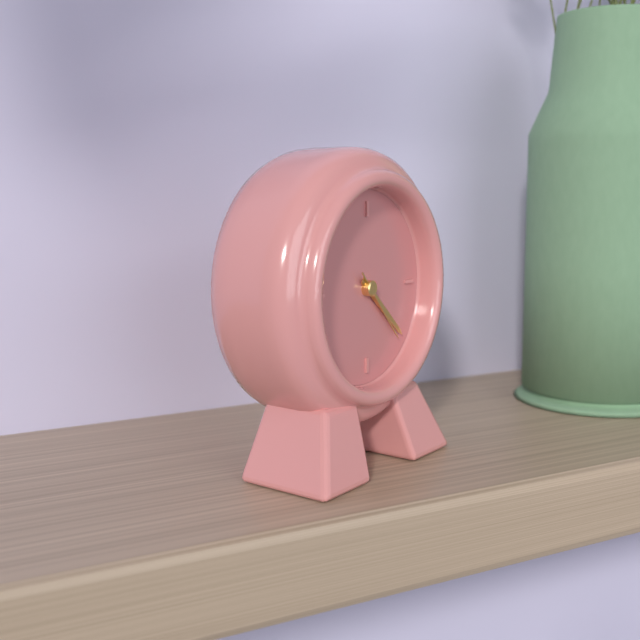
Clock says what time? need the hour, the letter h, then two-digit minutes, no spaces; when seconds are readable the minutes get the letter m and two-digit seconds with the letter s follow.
4h22m23s
